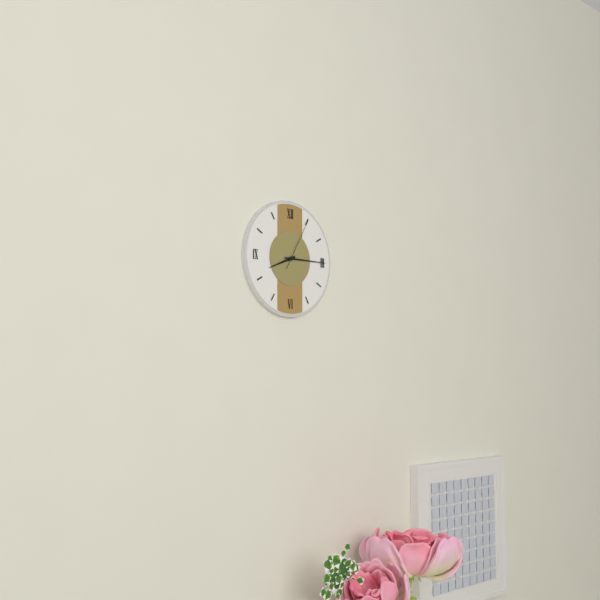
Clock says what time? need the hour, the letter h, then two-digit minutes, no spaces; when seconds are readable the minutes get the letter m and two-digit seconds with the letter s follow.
8h15m05s
